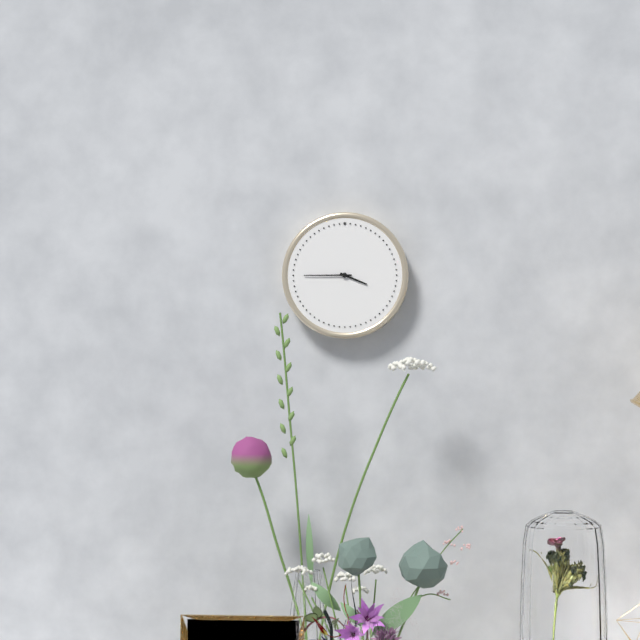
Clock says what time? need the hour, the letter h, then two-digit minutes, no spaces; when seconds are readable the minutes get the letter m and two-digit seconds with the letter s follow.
3h45
